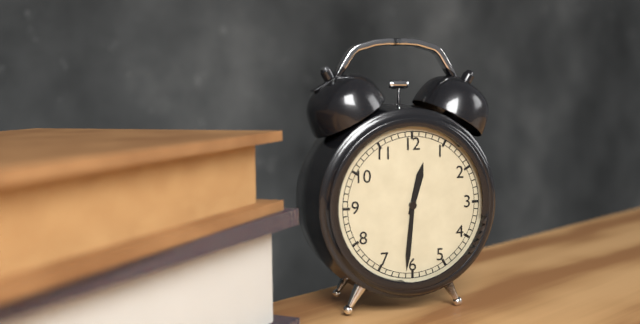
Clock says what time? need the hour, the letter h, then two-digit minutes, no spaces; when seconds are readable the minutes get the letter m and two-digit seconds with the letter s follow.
12h31
